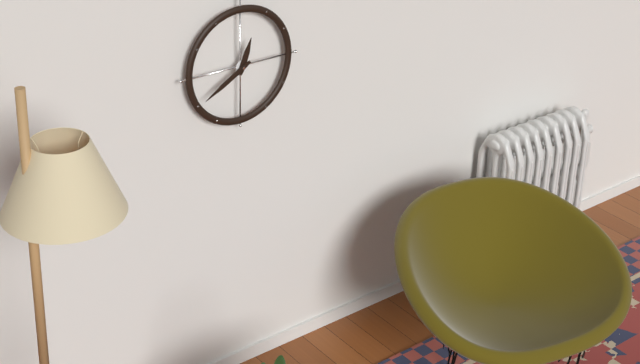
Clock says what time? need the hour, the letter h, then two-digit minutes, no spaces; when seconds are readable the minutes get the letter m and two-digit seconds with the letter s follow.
12h40
